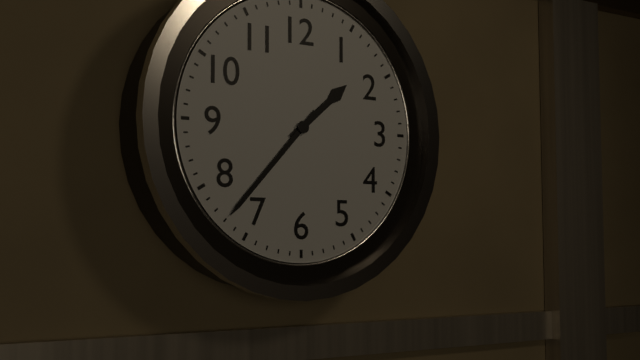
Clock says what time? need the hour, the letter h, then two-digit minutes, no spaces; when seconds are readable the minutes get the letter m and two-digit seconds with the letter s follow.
1h37
